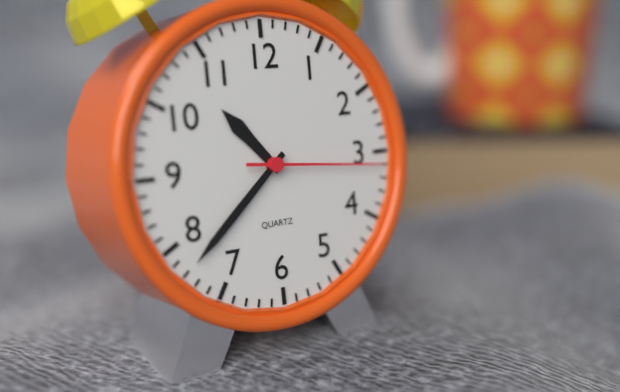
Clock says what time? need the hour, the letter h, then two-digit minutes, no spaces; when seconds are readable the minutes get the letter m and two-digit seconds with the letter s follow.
10h38m16s
